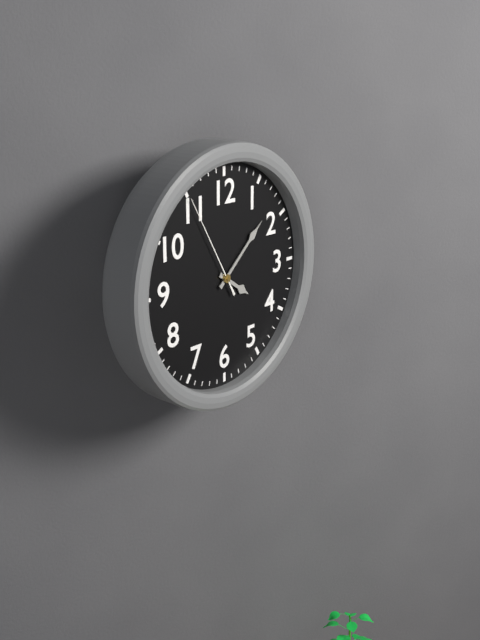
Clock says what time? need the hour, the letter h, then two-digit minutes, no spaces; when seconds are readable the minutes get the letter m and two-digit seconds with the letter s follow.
4h08m55s
